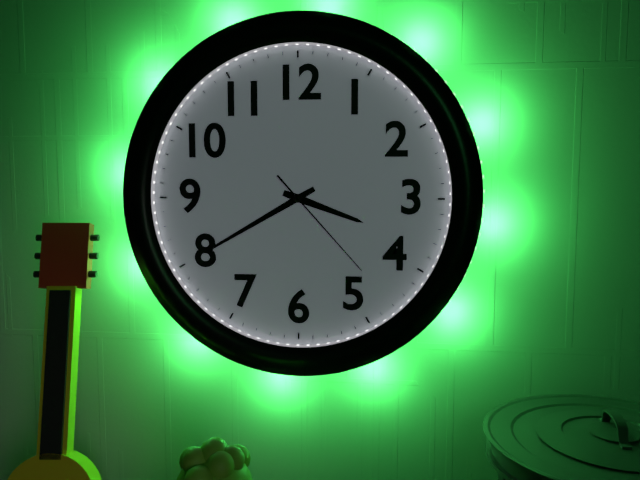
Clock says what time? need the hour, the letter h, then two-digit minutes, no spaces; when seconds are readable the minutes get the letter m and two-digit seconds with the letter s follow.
3h40m23s
